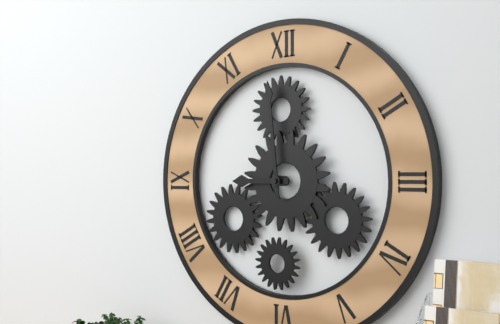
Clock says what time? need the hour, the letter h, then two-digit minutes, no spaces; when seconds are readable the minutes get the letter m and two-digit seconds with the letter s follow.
8h59
